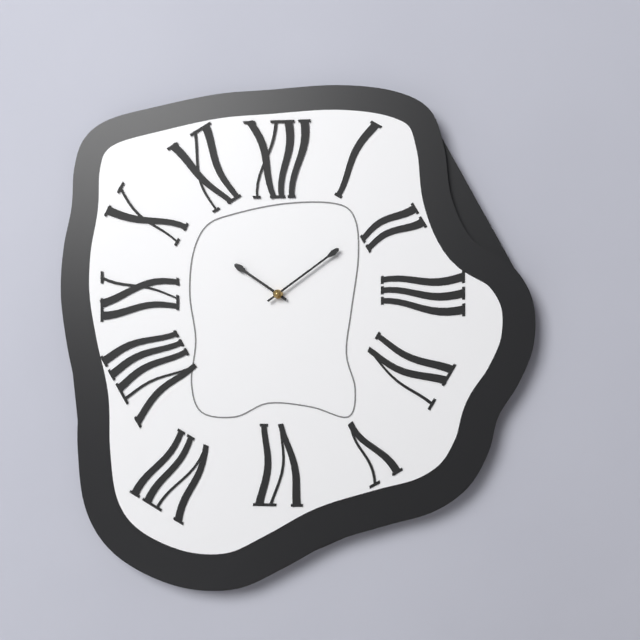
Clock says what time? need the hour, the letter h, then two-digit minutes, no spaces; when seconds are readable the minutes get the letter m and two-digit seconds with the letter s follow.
10h09
